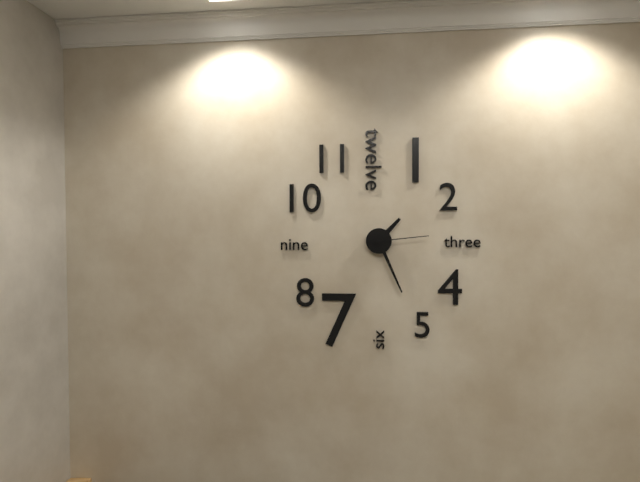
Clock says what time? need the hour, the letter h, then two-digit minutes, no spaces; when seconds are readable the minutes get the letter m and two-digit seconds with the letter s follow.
1h26m14s
